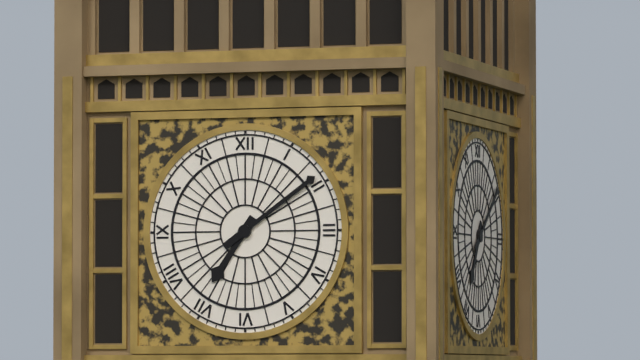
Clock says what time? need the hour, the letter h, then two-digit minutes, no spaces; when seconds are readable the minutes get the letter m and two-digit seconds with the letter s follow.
7h09
